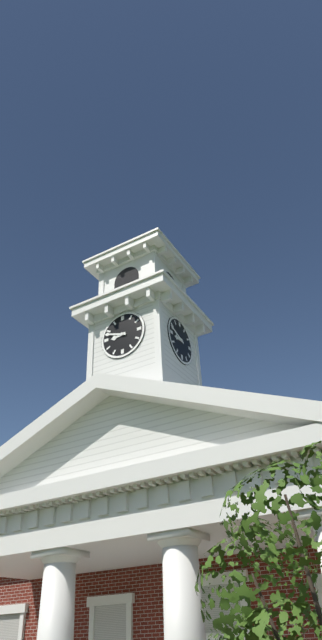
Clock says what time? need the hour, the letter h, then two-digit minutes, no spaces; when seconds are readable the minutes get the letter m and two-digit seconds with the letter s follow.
8h48
